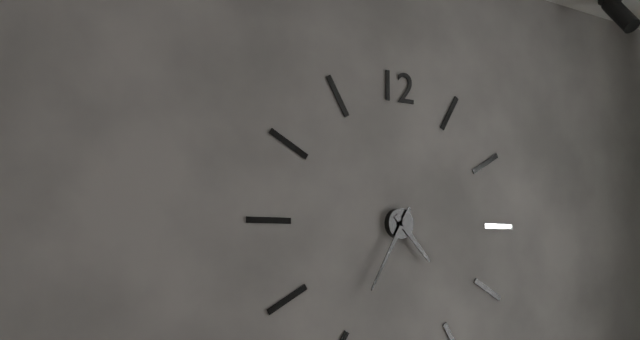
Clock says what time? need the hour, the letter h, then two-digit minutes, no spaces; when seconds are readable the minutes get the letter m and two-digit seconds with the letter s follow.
4h35
